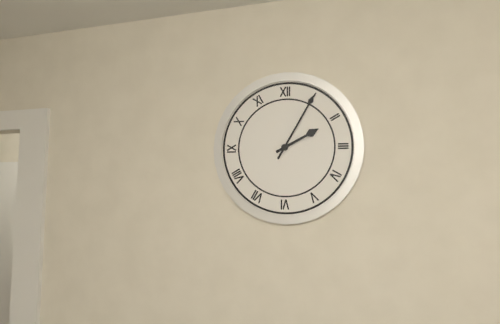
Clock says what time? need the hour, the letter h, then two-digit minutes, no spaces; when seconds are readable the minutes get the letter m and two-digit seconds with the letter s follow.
2h05
